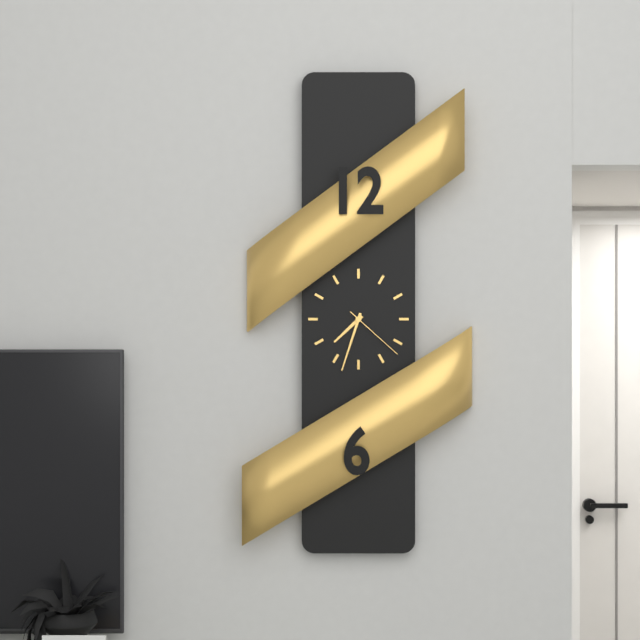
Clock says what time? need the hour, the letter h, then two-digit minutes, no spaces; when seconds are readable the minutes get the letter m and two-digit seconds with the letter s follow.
7h33m22s
